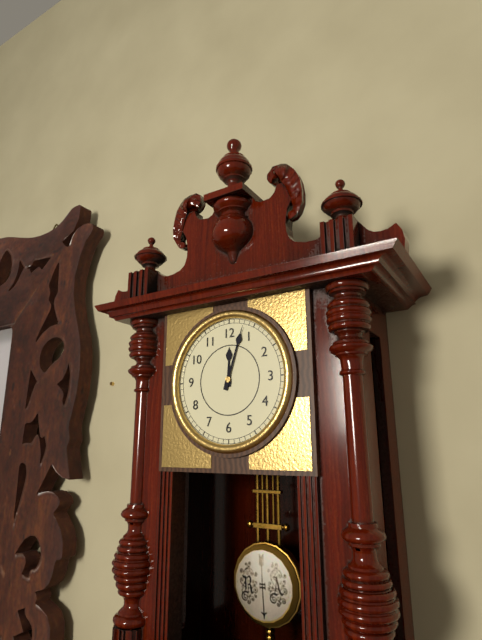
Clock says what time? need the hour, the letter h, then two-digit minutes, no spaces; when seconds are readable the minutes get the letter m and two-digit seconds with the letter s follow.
12h03
